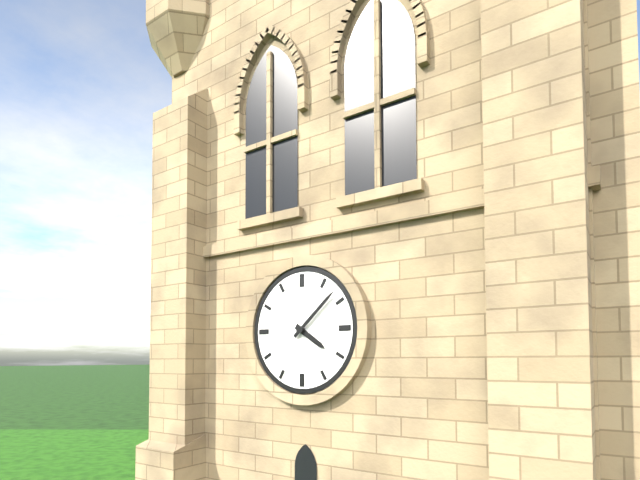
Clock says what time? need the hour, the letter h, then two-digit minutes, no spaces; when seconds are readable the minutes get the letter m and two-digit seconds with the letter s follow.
4h08
